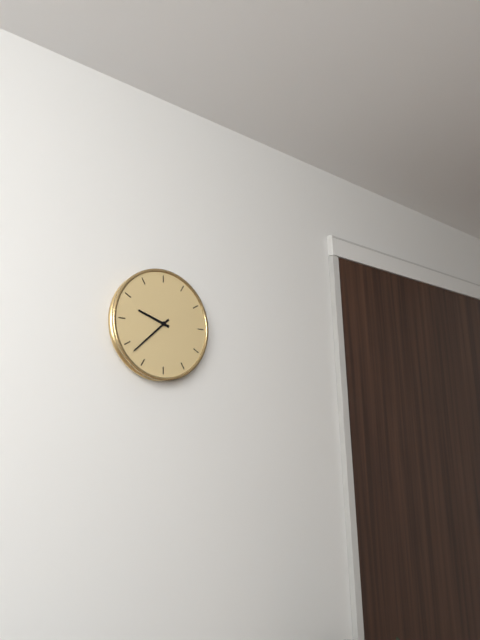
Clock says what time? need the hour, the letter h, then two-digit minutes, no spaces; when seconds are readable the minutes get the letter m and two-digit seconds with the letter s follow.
9h38
